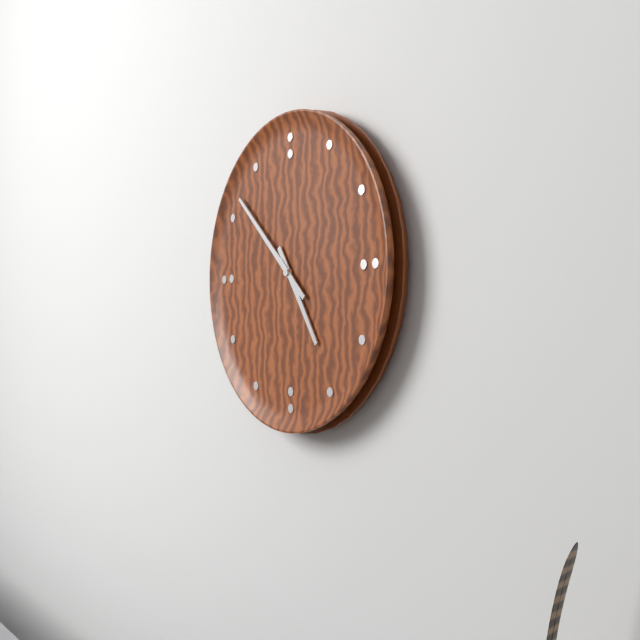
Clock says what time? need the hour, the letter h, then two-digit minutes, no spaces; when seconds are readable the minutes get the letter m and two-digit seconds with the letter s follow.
4h52
